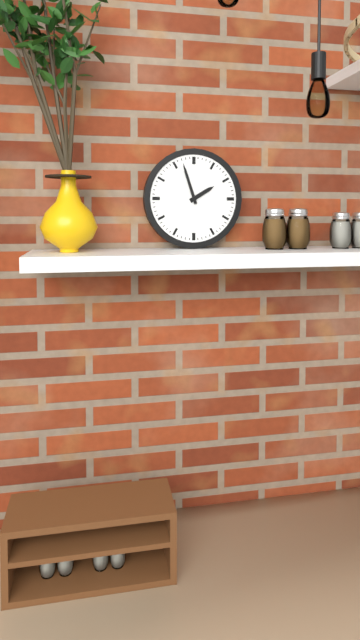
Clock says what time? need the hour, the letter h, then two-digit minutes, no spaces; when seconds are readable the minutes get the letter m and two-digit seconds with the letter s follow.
1h57
